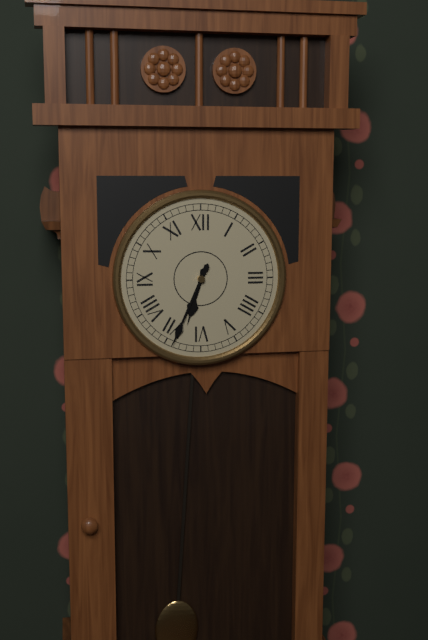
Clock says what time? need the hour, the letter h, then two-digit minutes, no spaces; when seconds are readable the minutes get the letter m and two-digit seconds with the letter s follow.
6h34
